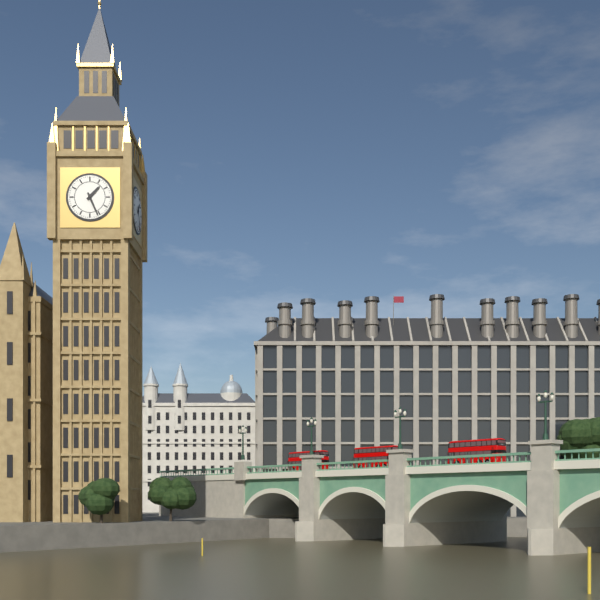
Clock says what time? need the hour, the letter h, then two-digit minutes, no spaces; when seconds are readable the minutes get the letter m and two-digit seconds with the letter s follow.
1h26
